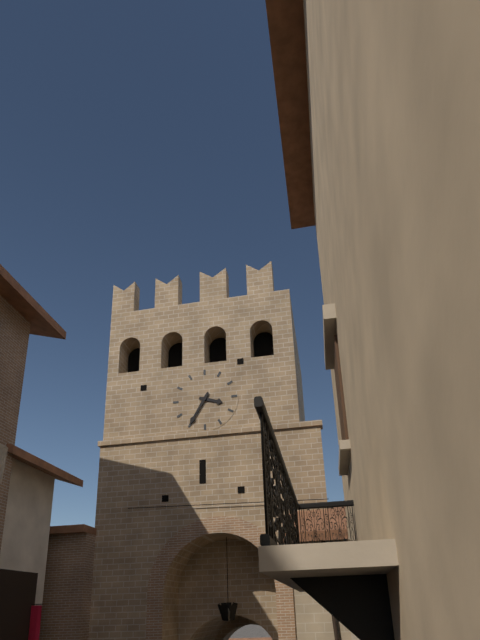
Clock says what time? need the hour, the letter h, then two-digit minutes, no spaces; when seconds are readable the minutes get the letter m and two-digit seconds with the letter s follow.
3h35
